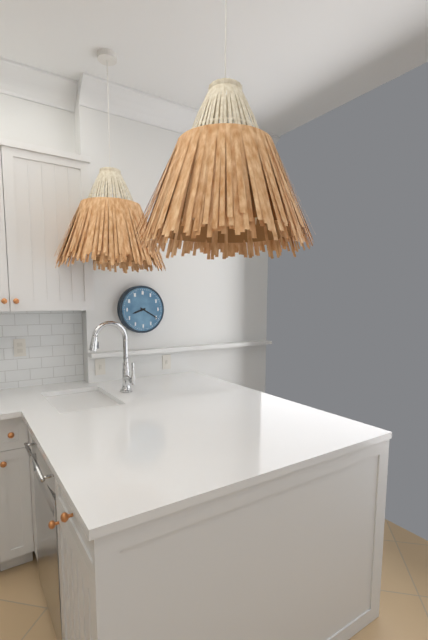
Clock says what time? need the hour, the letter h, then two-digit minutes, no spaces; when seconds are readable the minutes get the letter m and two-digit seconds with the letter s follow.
8h20
